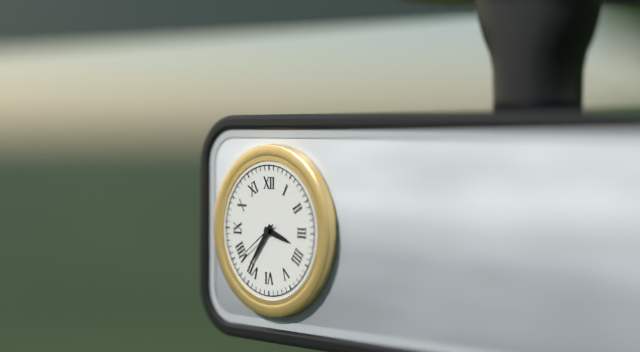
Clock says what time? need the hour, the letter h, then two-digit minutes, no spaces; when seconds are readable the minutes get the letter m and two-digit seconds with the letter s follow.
3h36
